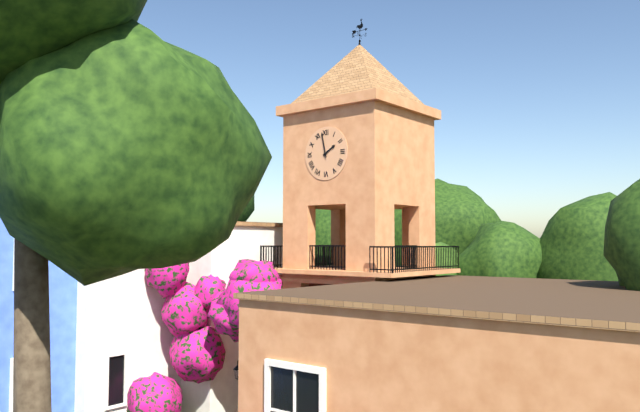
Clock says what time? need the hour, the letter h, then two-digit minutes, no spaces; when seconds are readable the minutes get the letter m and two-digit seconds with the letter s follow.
1h58
